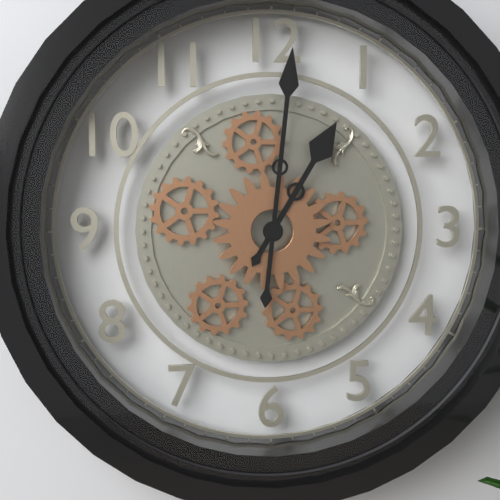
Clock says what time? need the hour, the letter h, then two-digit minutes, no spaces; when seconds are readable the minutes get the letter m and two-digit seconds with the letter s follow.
1h01
